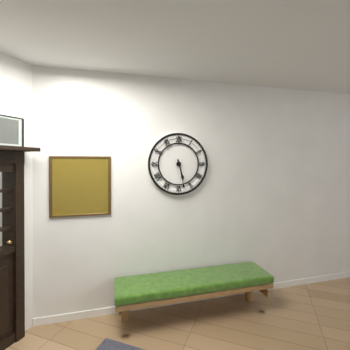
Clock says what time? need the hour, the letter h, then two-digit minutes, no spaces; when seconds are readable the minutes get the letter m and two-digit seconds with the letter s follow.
5h28
